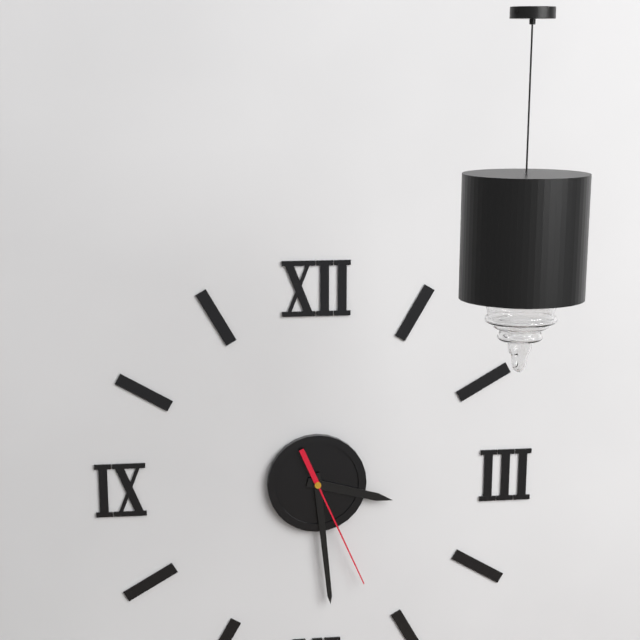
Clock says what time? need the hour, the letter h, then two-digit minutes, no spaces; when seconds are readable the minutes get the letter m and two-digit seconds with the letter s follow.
3h29m26s
